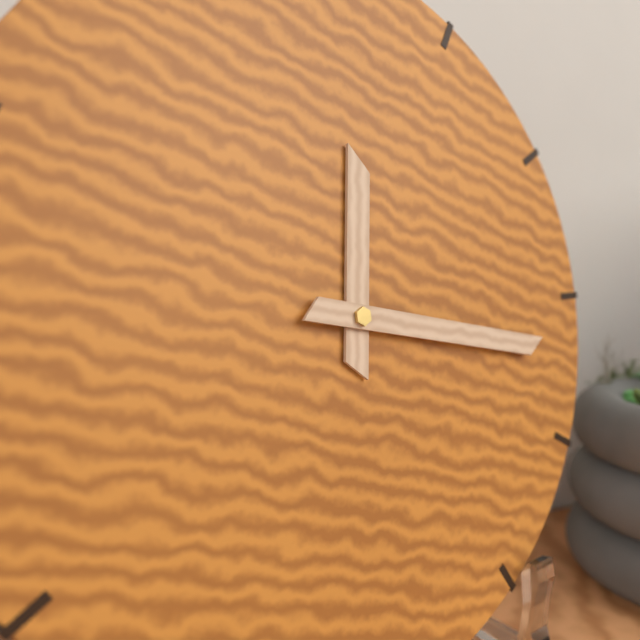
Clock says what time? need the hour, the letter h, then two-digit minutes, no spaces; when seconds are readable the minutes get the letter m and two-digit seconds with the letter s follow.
12h17
